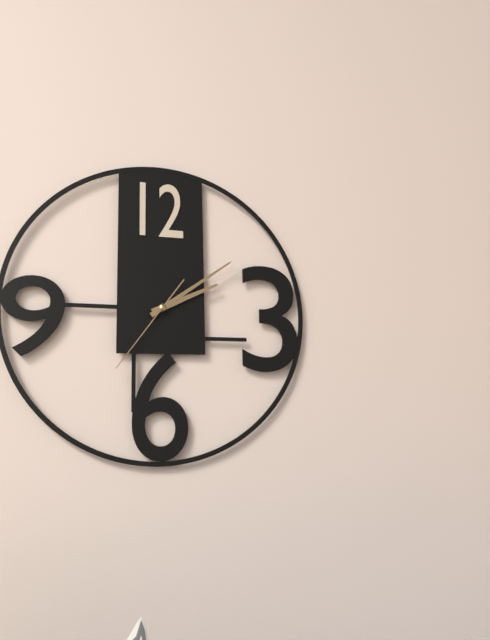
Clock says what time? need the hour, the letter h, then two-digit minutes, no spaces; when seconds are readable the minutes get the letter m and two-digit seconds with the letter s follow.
2h09m36s
